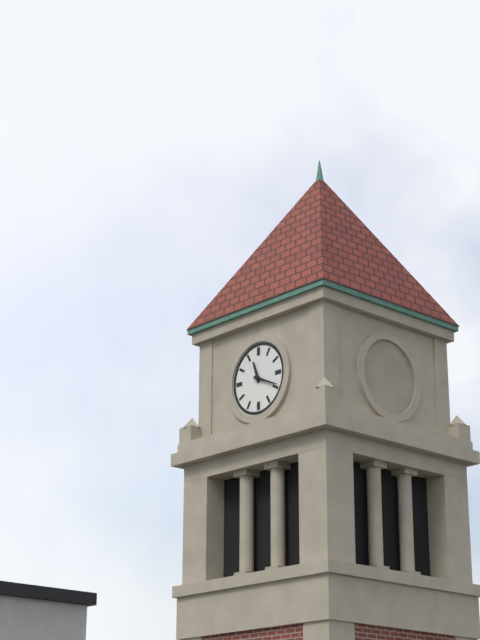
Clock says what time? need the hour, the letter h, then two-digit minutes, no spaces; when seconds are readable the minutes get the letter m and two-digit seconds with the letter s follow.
11h19
